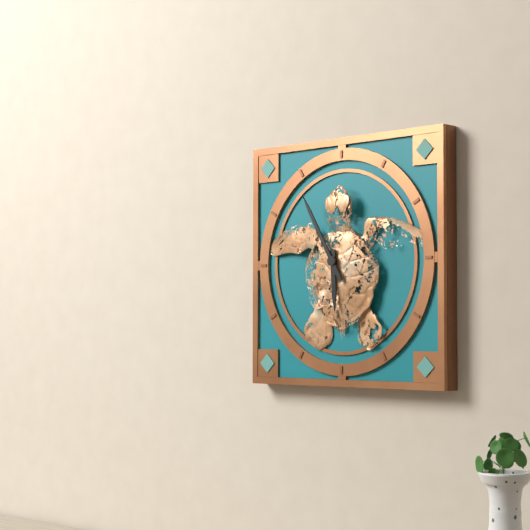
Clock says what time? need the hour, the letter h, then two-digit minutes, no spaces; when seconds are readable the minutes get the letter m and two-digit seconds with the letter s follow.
5h55
